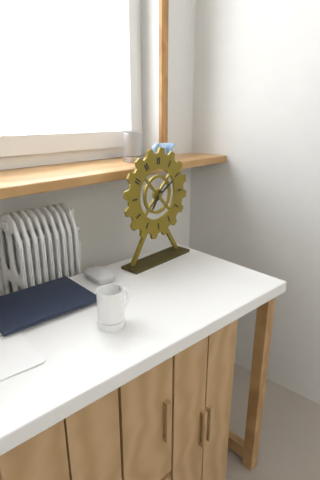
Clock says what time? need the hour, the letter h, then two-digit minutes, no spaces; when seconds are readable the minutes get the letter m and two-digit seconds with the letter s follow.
7h10
